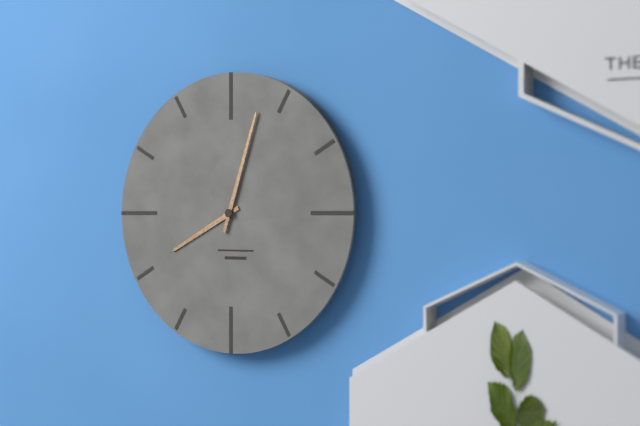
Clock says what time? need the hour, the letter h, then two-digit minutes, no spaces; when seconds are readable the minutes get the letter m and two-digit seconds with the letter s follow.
8h03
